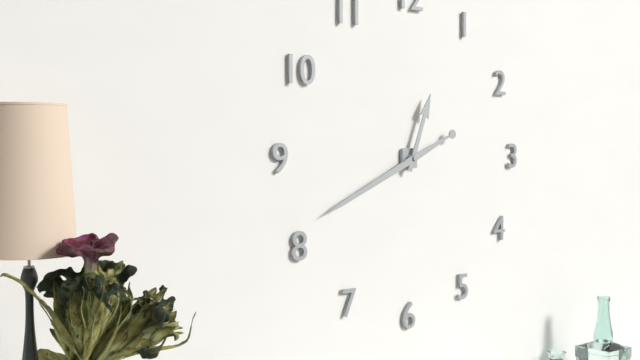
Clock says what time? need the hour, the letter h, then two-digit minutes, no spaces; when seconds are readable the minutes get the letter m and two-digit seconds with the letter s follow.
12h41
